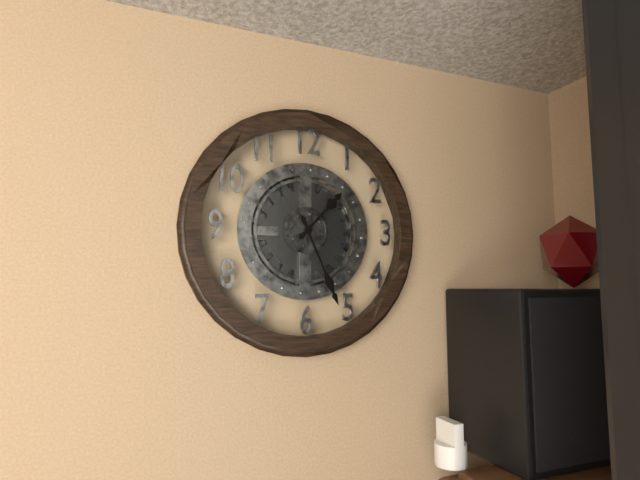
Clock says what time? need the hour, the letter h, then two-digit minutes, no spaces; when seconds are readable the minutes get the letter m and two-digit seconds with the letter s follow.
1h26
